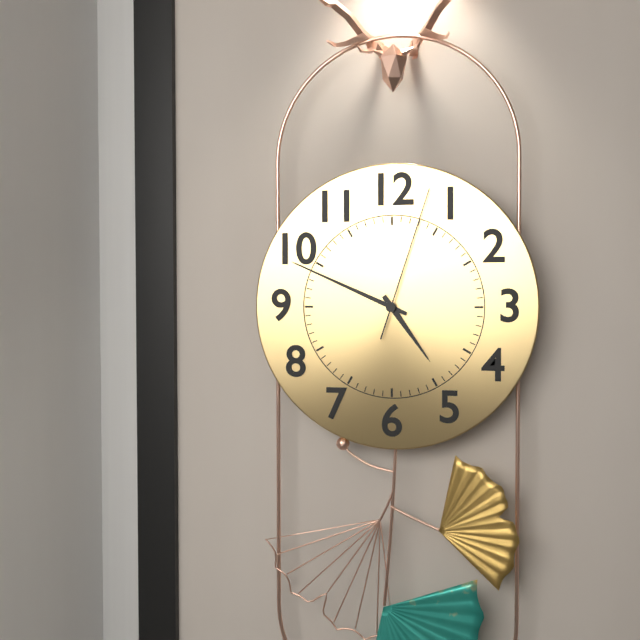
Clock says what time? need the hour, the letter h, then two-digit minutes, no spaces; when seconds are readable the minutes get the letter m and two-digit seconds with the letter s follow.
4h49m03s
